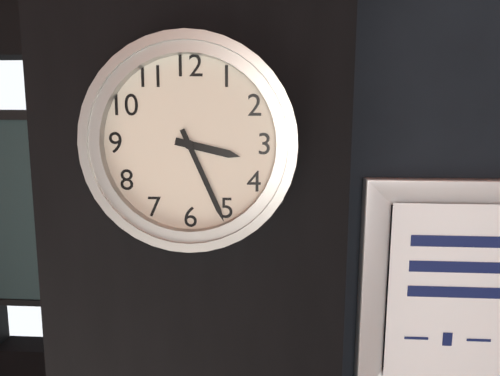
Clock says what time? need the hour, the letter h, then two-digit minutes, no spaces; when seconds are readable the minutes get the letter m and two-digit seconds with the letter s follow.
3h26
